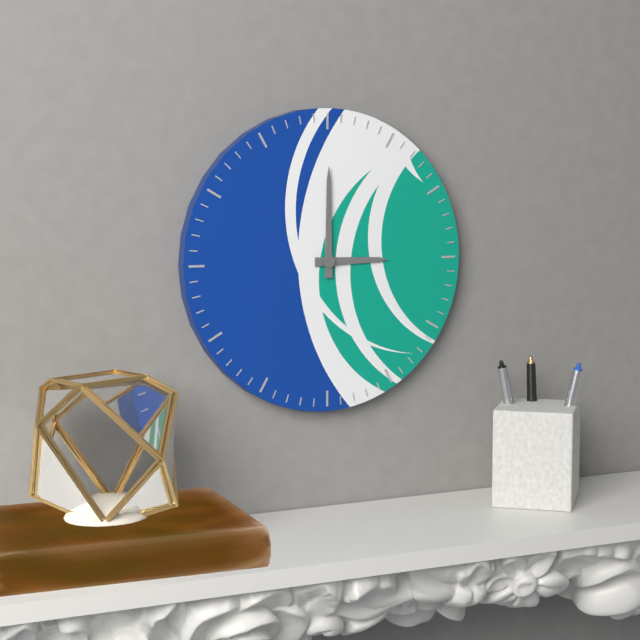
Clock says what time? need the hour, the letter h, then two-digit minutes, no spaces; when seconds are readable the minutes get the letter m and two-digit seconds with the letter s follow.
3h00
